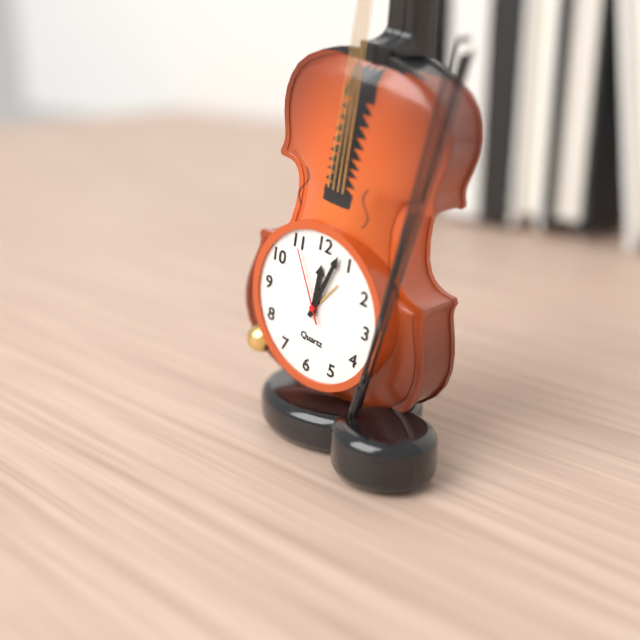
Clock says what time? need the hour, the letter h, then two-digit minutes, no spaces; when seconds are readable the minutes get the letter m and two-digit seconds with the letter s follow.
12h03m55s
